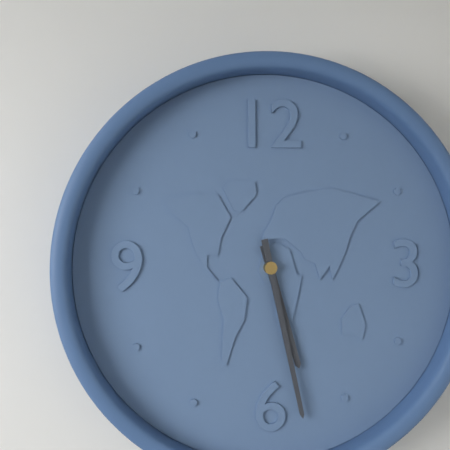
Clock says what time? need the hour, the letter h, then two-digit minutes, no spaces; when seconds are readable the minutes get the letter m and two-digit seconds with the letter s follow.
5h28
